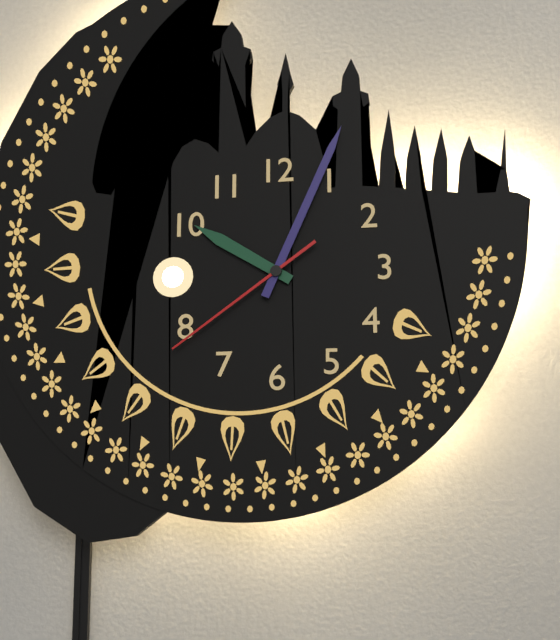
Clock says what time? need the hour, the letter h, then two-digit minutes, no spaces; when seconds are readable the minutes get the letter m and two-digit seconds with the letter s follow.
10h04m39s
